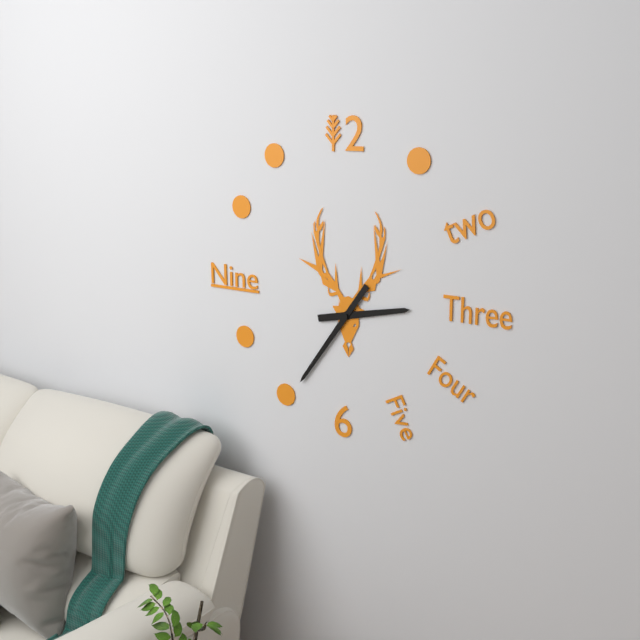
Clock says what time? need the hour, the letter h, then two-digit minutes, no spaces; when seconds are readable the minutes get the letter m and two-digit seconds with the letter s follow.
2h36
